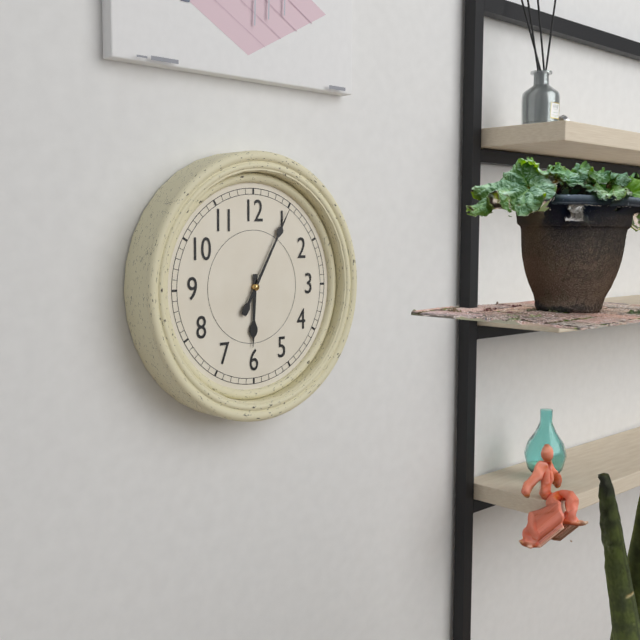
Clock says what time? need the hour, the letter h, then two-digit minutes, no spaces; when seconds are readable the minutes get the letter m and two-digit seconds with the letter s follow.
6h05
